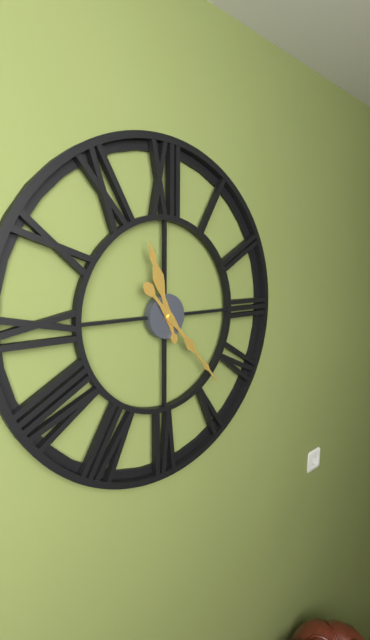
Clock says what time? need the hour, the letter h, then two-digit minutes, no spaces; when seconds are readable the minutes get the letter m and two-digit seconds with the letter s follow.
11h23
